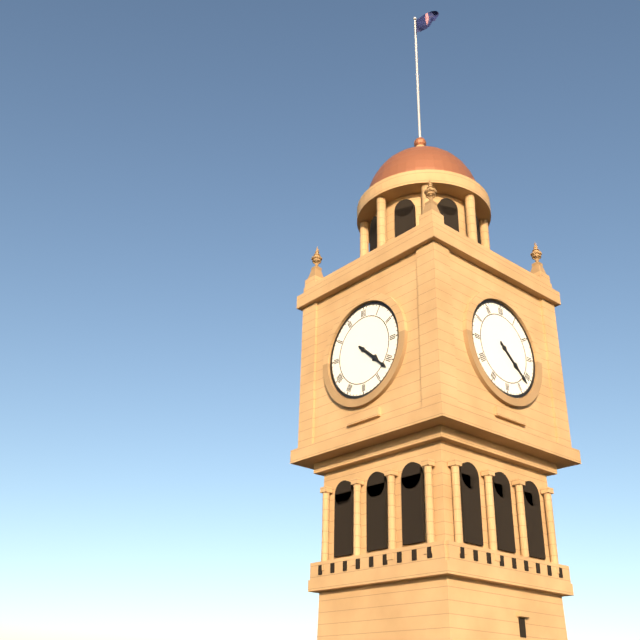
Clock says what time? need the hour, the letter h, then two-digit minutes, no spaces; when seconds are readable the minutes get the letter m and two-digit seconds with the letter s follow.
4h22
